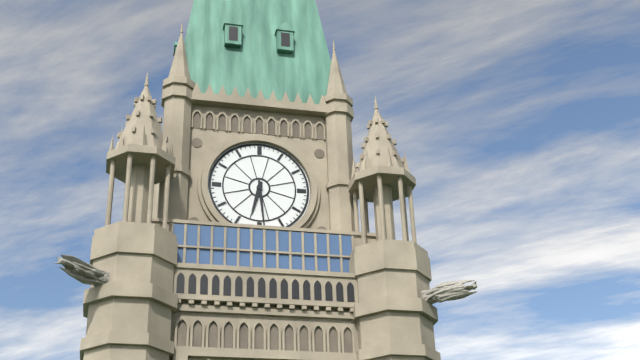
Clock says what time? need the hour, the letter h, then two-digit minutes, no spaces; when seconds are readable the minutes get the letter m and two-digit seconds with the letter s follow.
6h29
